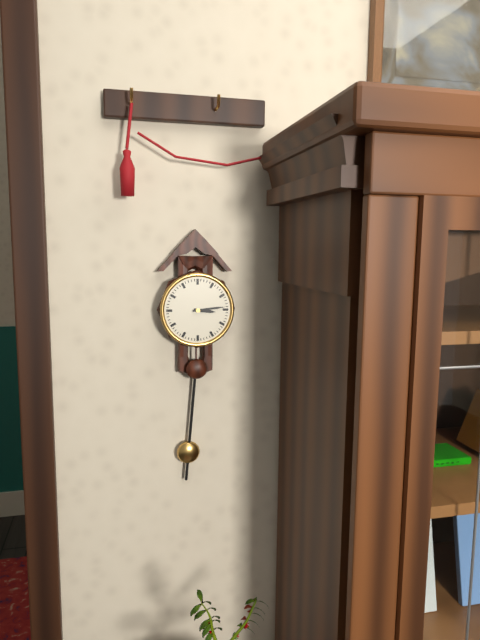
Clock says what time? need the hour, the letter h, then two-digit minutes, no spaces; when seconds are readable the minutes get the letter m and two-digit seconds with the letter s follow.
3h14
